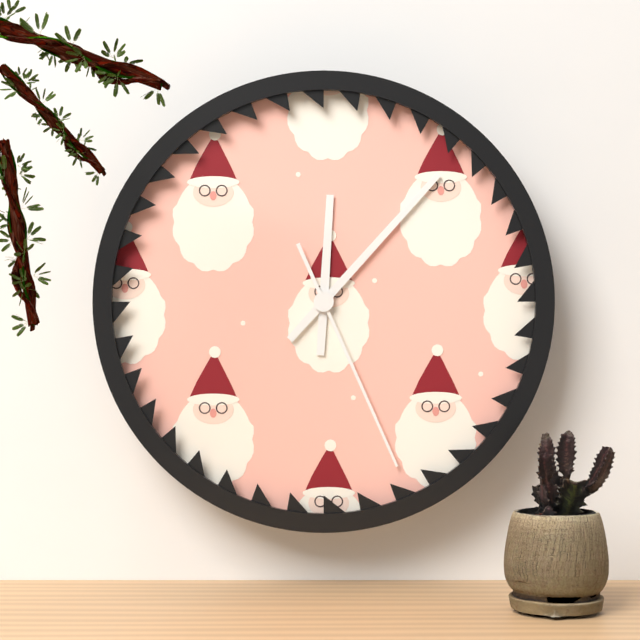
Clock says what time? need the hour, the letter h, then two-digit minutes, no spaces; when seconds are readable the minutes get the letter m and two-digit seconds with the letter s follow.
12h07m26s
